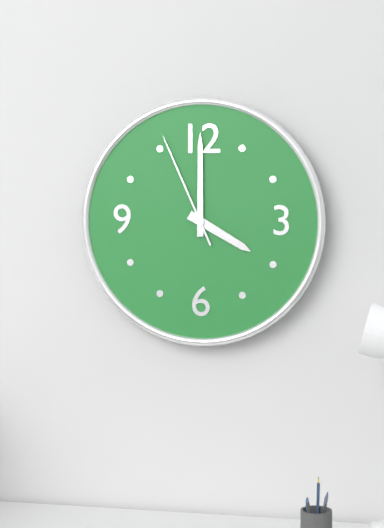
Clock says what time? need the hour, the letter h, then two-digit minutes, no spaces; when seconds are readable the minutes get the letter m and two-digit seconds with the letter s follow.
4h00m56s
